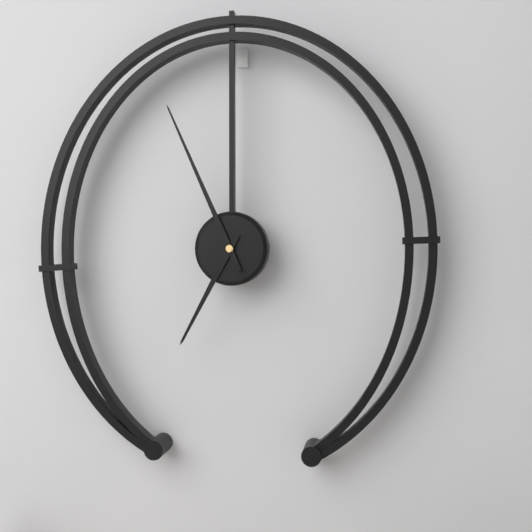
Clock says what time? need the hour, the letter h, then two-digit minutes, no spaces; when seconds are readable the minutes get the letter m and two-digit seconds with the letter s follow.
6h56
